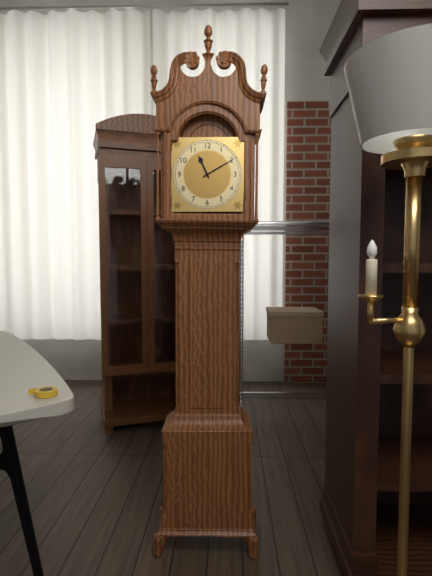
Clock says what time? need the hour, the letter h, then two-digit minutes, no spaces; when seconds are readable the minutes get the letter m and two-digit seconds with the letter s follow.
11h10
